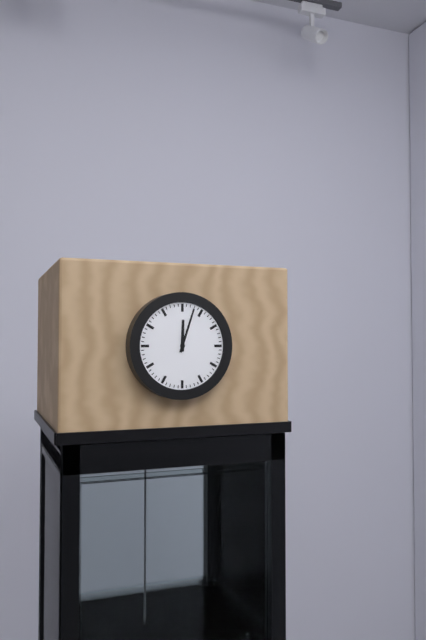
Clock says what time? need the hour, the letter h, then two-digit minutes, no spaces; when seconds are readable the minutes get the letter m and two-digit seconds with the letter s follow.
12h03
